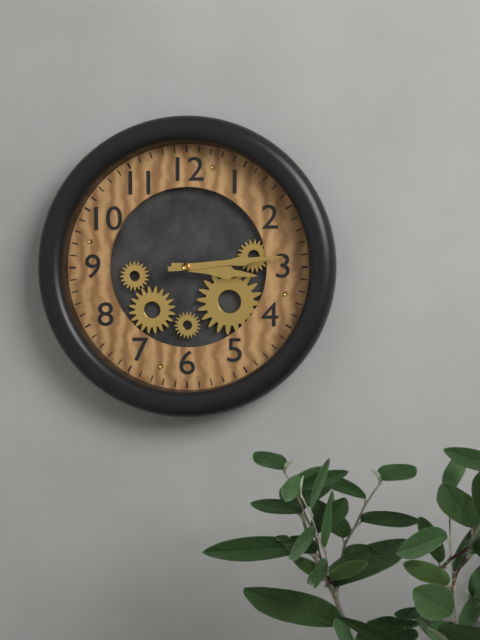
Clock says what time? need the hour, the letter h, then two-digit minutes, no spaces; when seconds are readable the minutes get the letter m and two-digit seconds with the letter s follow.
3h14
